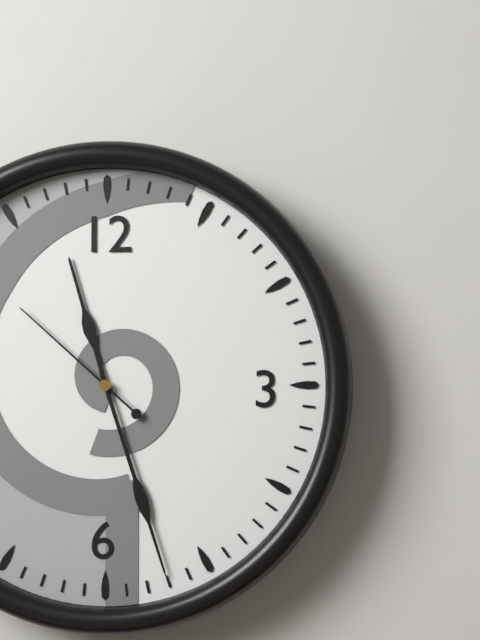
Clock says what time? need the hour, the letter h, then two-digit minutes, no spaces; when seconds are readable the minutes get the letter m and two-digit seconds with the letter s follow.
11h27m52s
